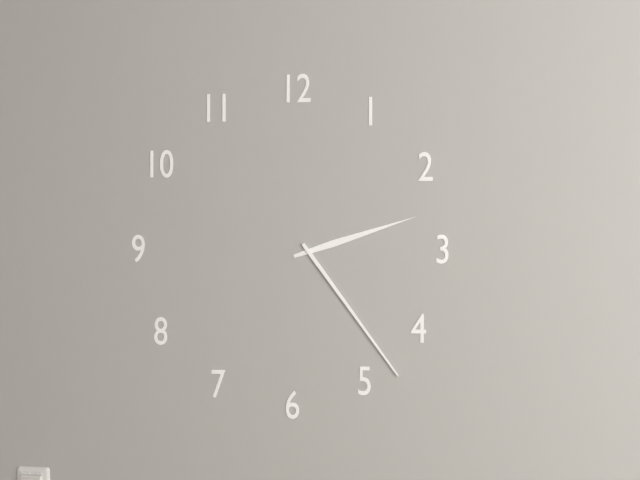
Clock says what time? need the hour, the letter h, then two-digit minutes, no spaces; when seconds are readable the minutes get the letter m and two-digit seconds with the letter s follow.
2h24
